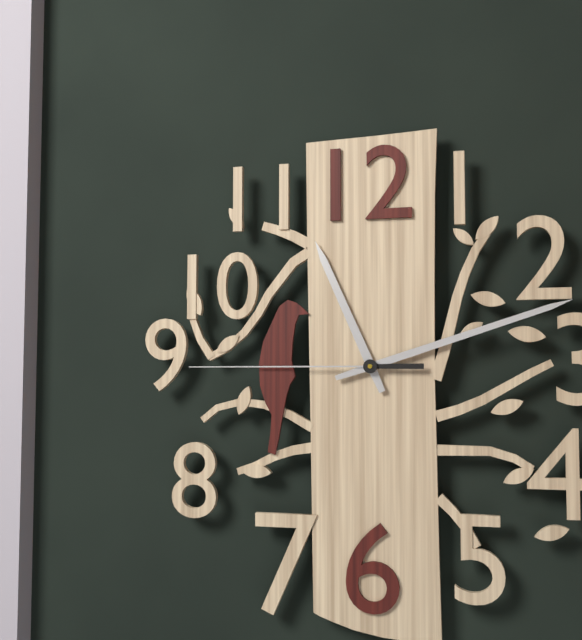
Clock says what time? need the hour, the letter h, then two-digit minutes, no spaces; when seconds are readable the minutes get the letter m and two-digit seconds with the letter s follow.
11h12m45s
